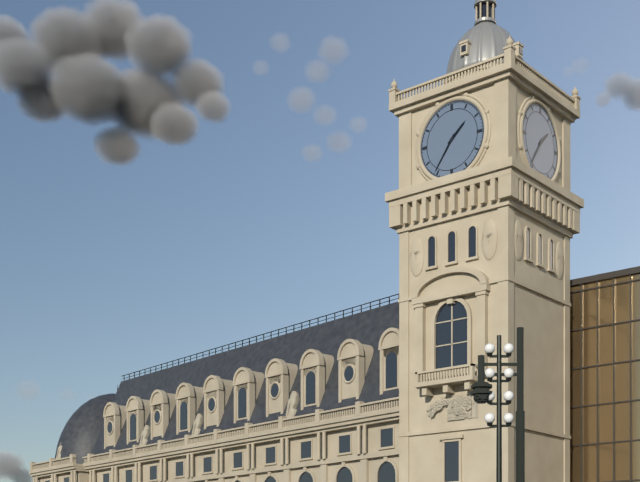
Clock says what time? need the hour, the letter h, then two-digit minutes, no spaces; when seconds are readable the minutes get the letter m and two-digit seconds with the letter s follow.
1h36
